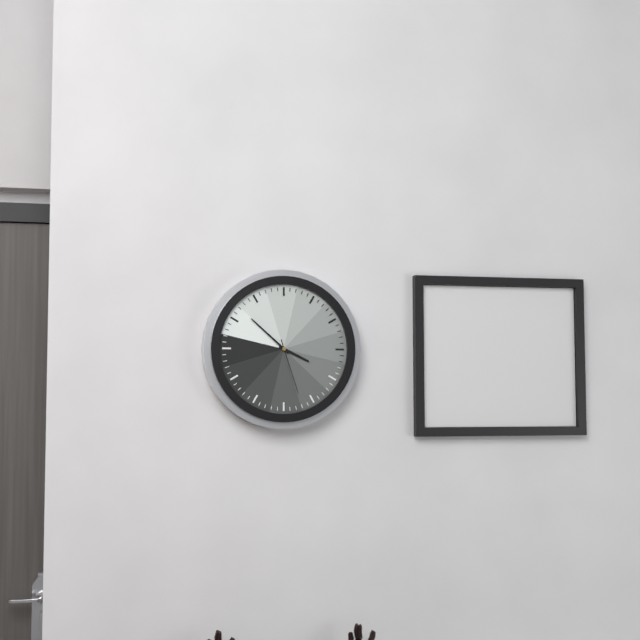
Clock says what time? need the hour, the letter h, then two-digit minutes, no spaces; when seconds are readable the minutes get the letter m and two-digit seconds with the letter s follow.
3h52m27s
